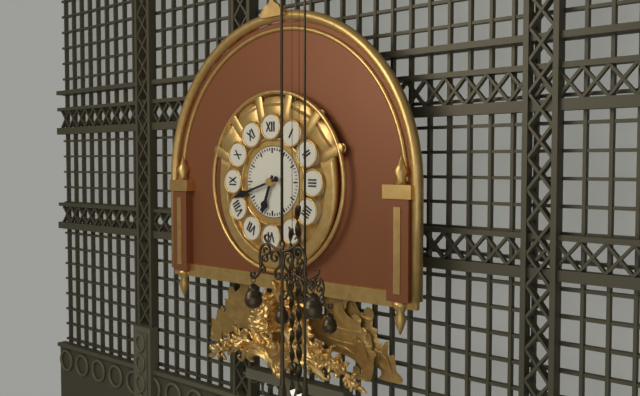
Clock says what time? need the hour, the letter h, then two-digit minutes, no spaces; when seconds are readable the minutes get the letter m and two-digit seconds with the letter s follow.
6h42
